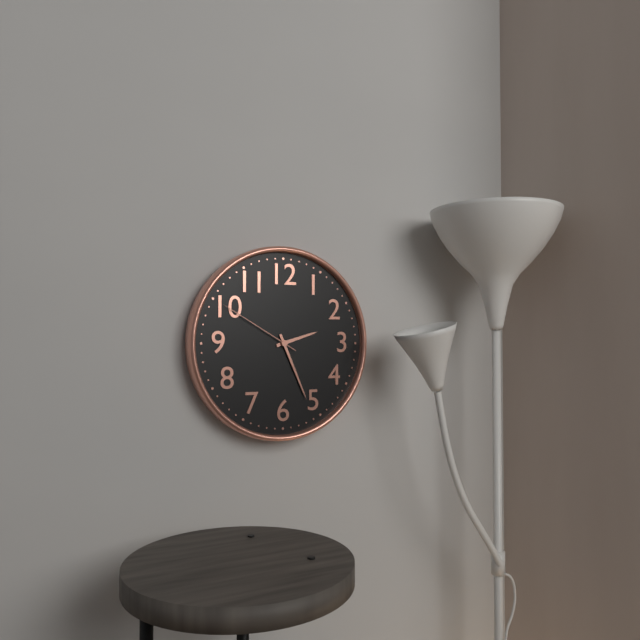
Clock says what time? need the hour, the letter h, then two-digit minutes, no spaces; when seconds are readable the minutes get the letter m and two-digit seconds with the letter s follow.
2h26m50s
